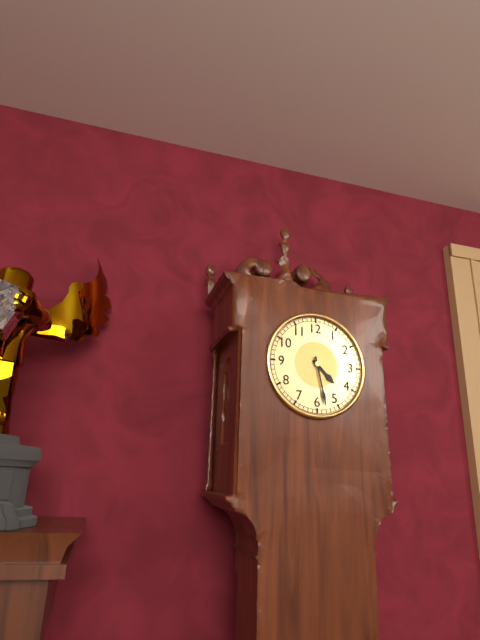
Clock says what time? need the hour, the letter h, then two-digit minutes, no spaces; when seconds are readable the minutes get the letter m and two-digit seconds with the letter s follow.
4h28
